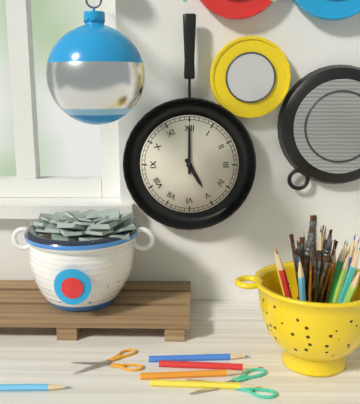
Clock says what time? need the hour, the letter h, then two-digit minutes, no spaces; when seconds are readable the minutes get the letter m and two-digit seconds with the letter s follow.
5h00
